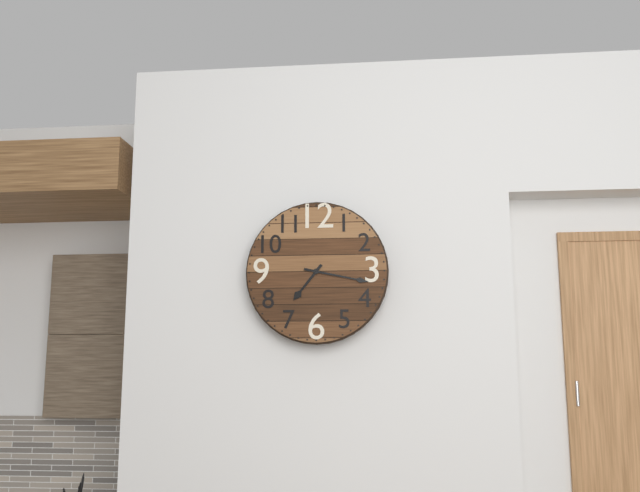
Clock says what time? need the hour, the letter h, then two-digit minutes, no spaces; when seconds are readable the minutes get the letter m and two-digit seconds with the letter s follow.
7h17
